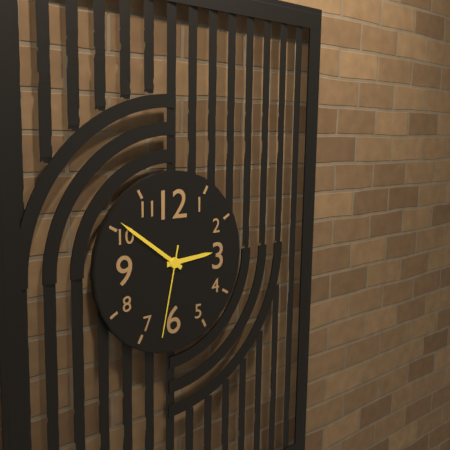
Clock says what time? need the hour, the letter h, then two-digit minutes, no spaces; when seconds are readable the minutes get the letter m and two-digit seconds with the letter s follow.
2h51m32s
